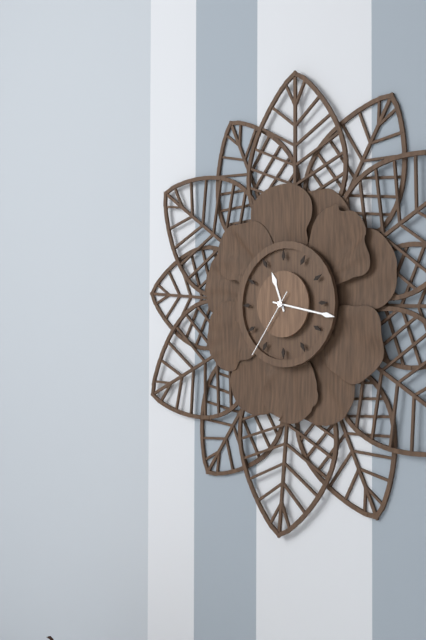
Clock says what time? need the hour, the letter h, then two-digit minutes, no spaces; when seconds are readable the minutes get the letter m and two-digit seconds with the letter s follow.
11h17m36s
